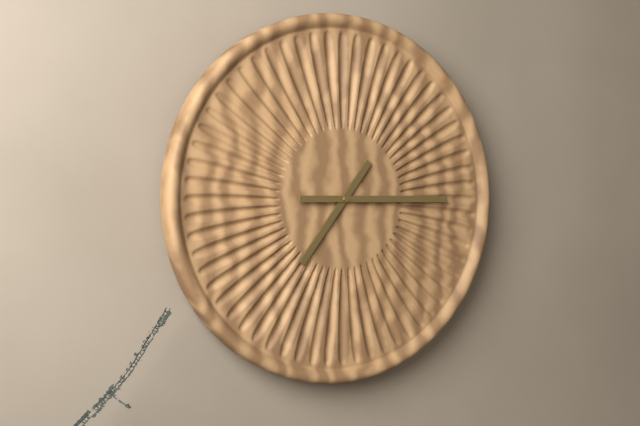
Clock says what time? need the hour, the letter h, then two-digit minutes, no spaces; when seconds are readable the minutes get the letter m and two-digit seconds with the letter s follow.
7h15
